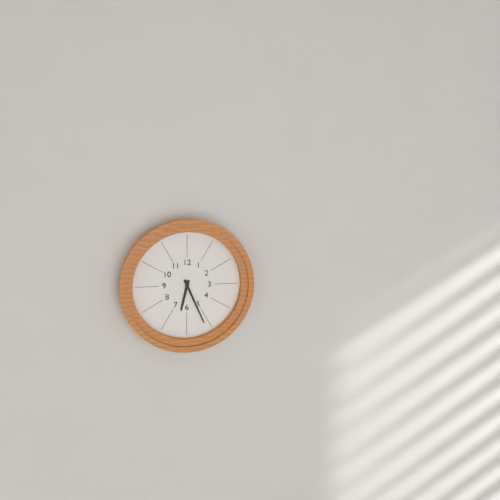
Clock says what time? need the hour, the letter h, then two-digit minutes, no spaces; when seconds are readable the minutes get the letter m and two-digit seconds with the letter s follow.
6h26
